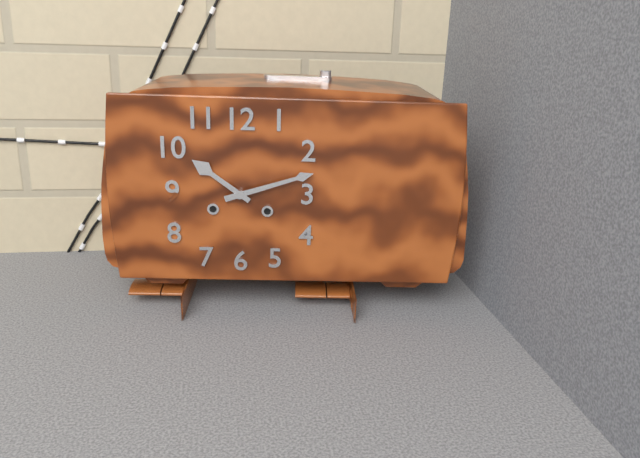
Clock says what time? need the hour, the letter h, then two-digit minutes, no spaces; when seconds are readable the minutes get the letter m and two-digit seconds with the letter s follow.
10h12
